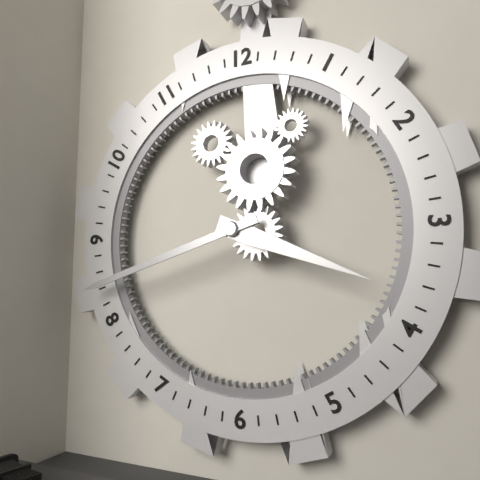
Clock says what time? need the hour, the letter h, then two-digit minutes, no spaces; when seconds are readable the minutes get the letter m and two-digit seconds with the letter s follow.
3h42
